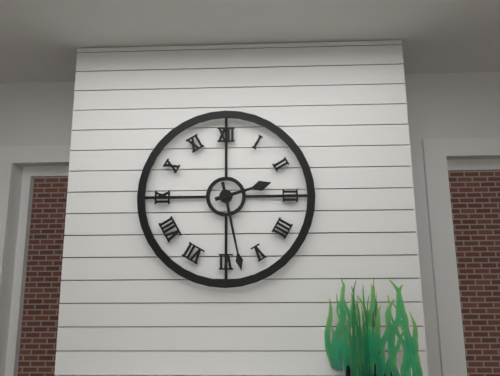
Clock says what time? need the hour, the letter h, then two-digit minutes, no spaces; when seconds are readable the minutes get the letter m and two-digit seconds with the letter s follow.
2h28
